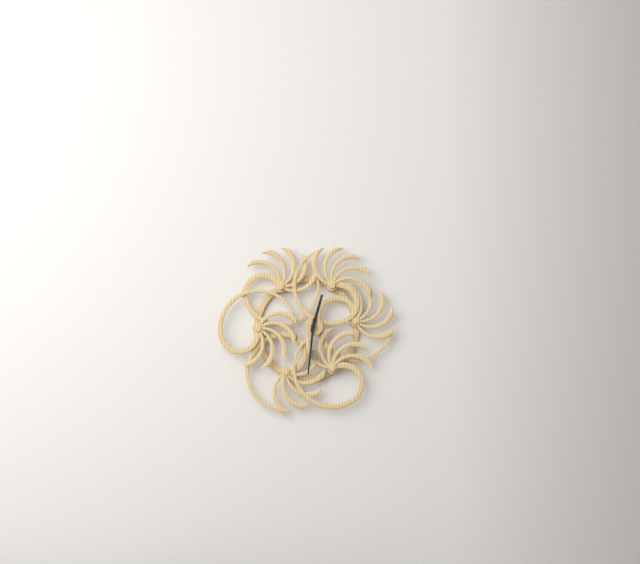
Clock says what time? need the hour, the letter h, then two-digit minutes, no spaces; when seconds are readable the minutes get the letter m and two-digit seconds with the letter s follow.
12h31
